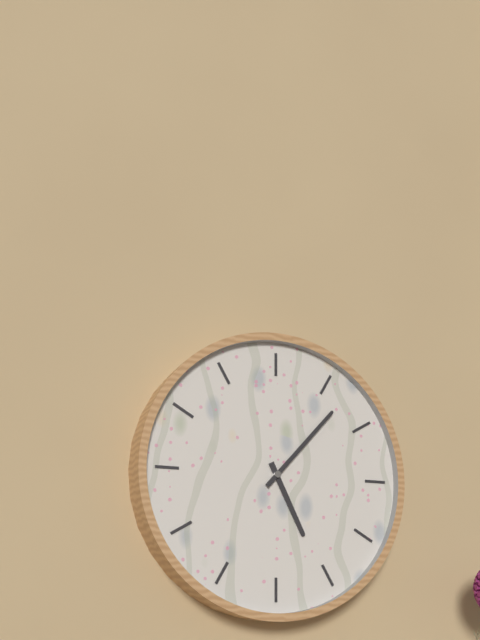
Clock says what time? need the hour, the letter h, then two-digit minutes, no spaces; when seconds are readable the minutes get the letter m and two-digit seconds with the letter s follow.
5h07
